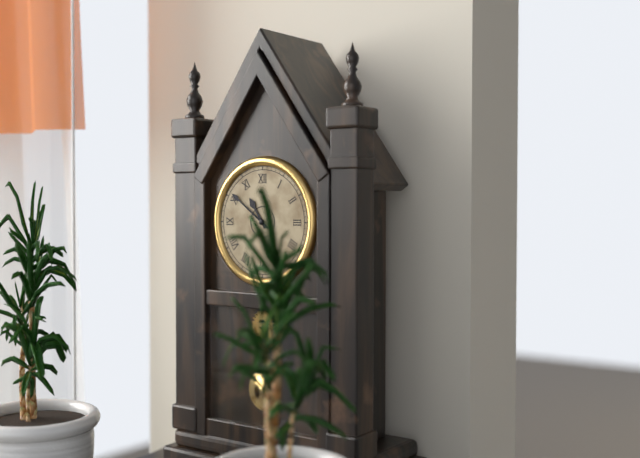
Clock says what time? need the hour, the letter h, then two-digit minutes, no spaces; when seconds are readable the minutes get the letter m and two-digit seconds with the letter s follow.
10h51
